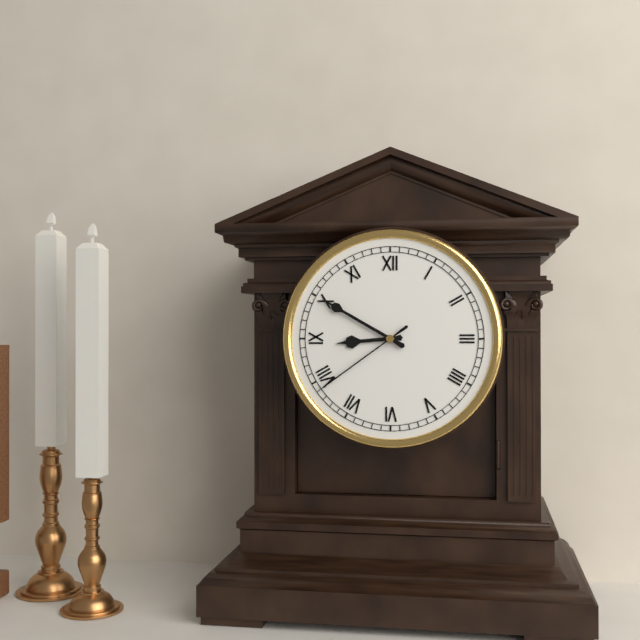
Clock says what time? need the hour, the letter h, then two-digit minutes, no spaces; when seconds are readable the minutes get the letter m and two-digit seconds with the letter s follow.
8h50m39s
